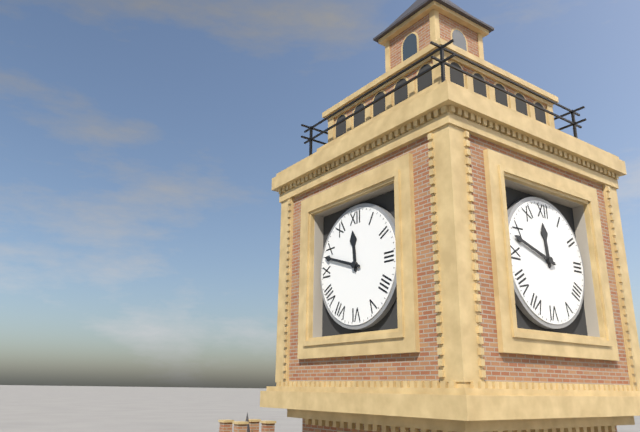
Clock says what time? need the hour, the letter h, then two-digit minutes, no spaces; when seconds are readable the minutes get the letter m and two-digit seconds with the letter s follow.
11h48
